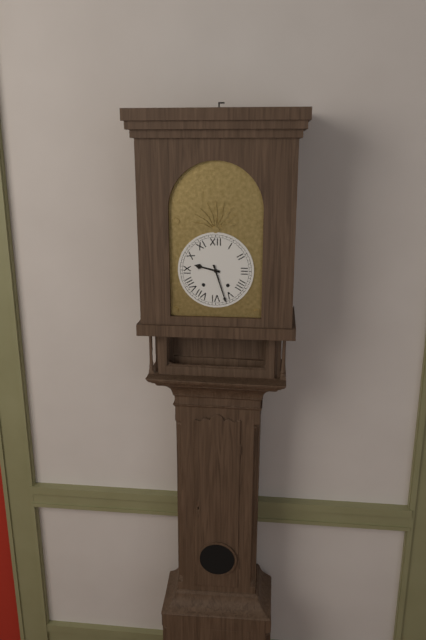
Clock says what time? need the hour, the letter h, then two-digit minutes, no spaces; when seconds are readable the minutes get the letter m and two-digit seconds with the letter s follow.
9h27
